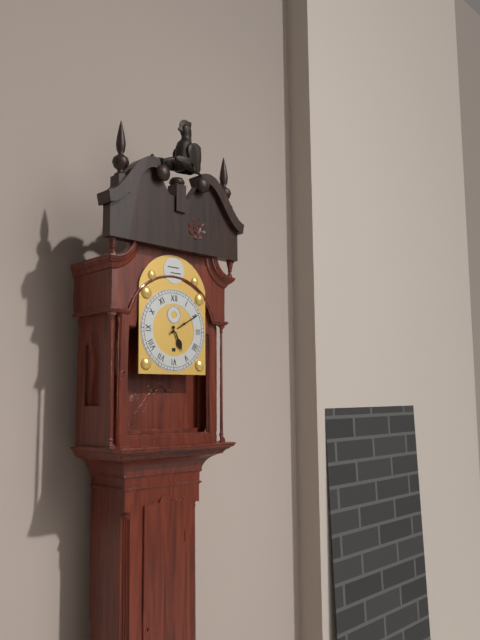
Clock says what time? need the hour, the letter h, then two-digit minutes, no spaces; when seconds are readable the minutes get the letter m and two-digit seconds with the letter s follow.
5h10
